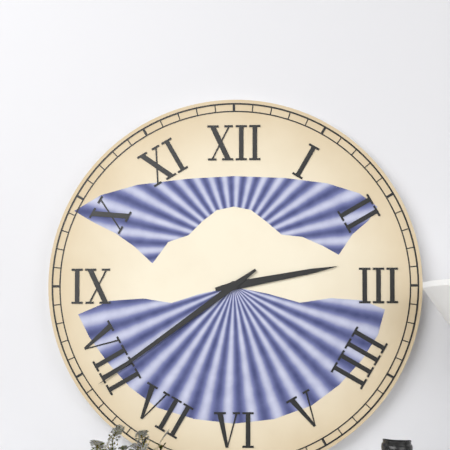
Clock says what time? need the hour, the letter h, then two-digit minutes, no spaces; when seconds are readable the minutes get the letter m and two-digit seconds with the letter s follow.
2h39
